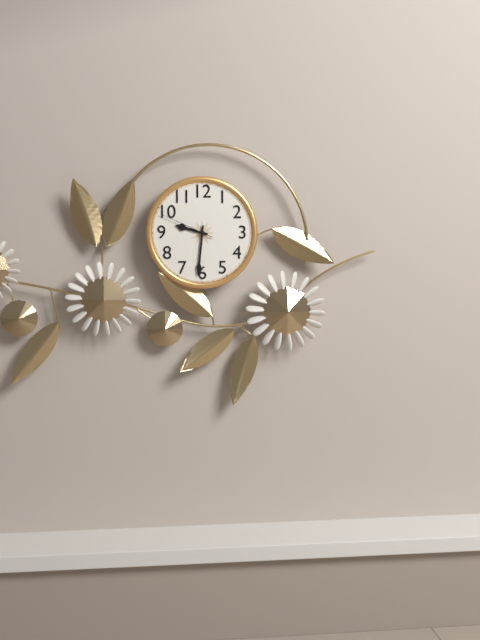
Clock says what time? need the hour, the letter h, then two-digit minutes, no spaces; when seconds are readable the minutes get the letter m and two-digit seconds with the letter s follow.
9h31m49s
